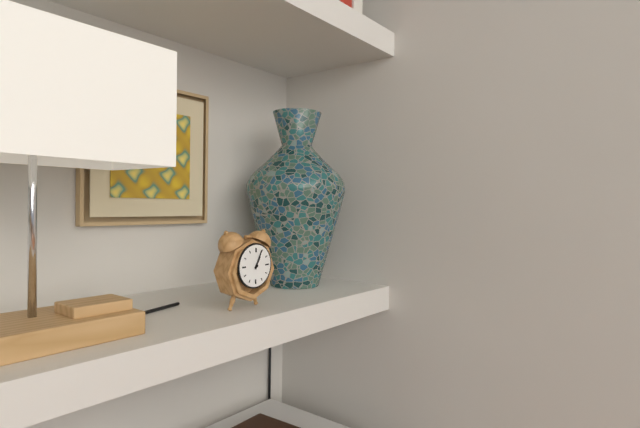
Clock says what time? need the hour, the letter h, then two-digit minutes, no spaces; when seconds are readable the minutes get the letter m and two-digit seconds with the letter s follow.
1h04
